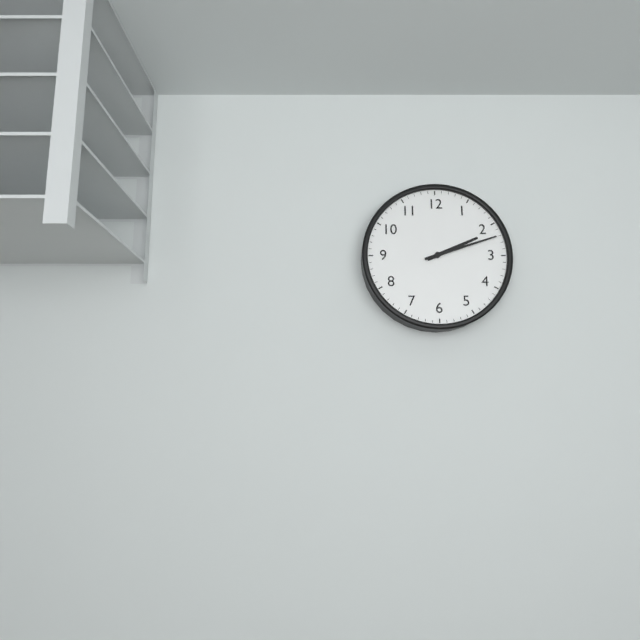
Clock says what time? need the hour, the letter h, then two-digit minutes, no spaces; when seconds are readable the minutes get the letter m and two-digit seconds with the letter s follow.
2h12
